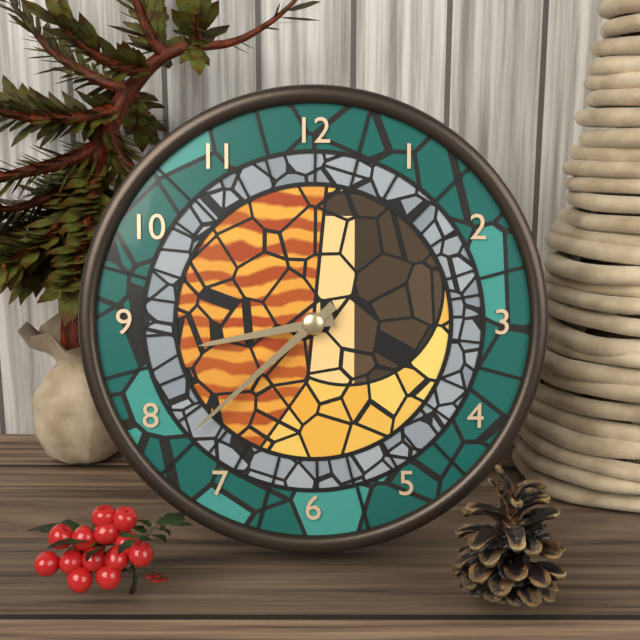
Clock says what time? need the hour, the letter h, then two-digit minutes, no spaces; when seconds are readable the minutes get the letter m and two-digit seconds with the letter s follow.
8h38
